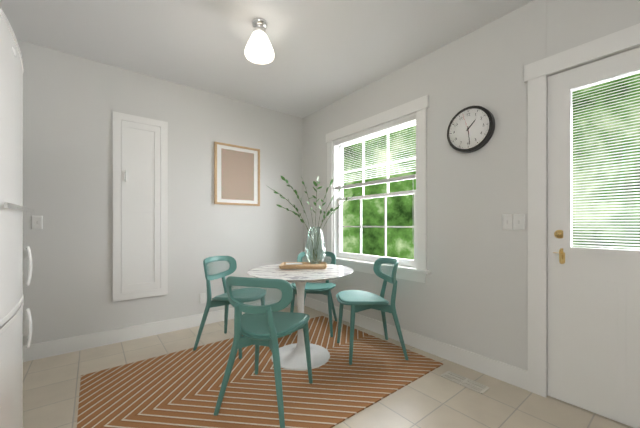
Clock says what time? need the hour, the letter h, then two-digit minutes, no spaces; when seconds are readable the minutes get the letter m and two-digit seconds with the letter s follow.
1h29
